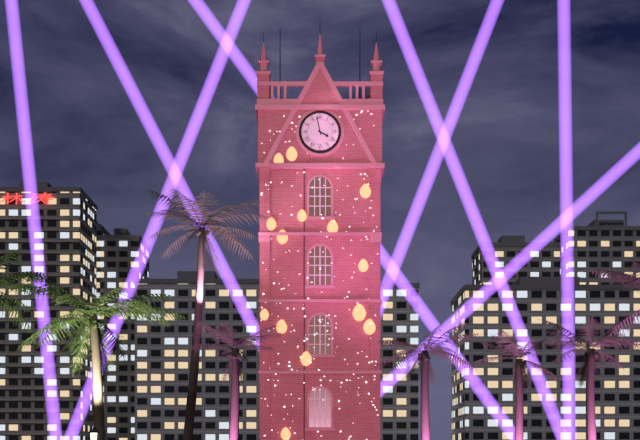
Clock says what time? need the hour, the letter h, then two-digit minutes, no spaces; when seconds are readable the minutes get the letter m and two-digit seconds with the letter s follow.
3h58
